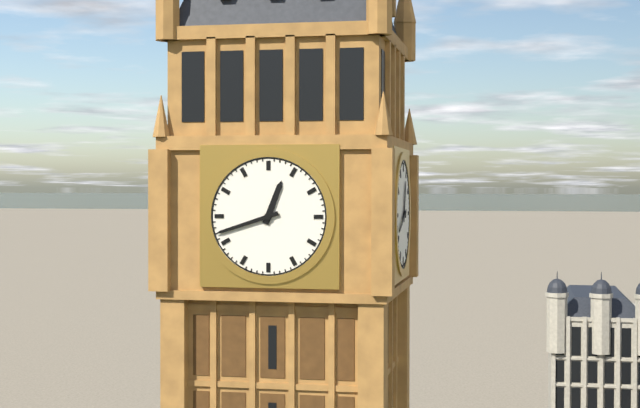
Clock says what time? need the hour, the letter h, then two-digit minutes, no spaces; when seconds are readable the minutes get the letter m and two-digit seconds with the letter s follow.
12h42
